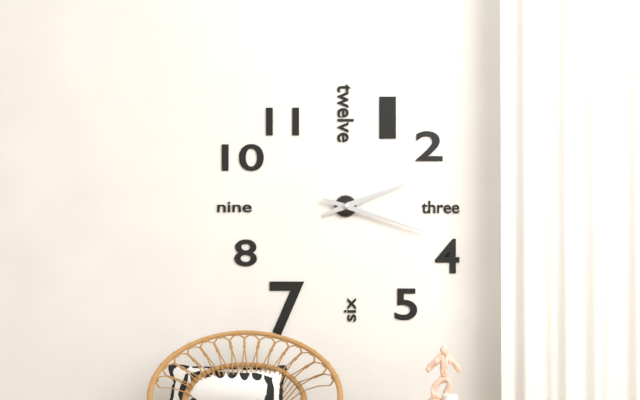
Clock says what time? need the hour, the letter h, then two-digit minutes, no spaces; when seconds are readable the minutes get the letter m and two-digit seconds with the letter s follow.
2h18
